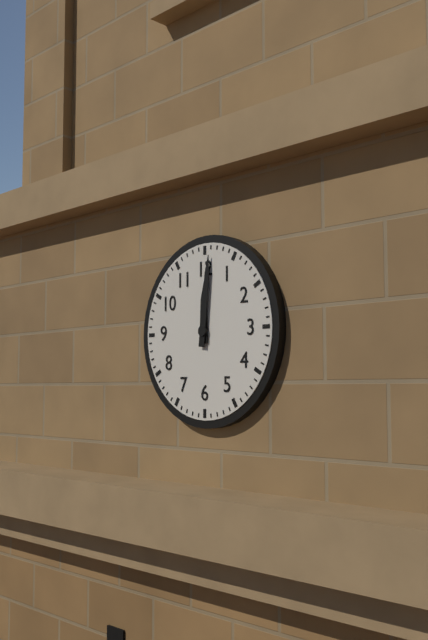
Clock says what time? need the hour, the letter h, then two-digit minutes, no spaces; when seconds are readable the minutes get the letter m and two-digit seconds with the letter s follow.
12h01
